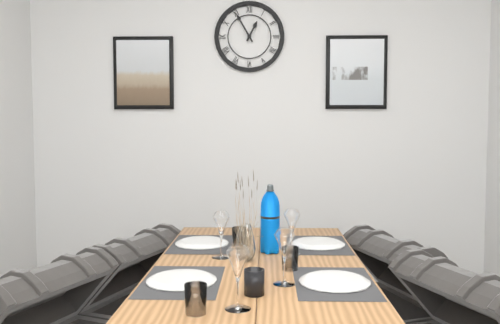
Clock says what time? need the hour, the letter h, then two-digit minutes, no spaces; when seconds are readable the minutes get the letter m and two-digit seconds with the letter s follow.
12h55
